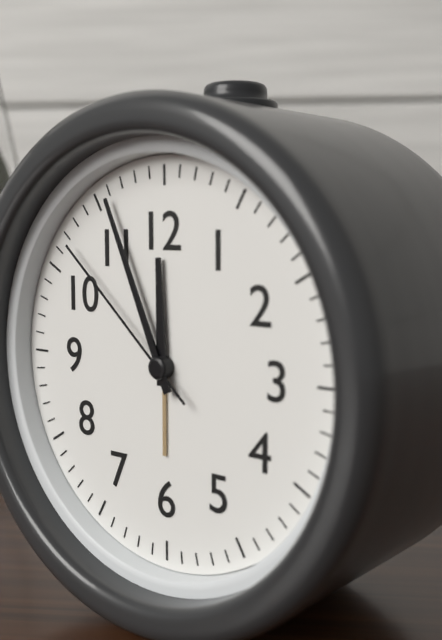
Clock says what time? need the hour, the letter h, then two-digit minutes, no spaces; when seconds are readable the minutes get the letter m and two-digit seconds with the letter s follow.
11h56m52s
